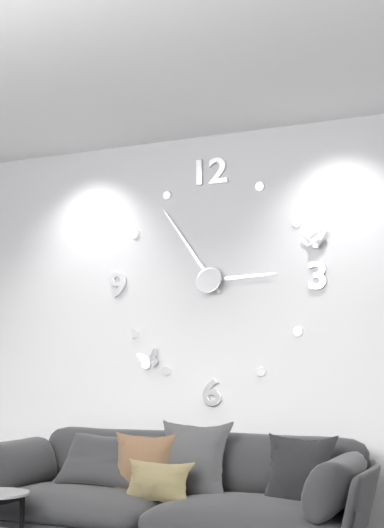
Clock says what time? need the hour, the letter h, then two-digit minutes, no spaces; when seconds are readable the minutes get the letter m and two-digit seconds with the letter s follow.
2h54
